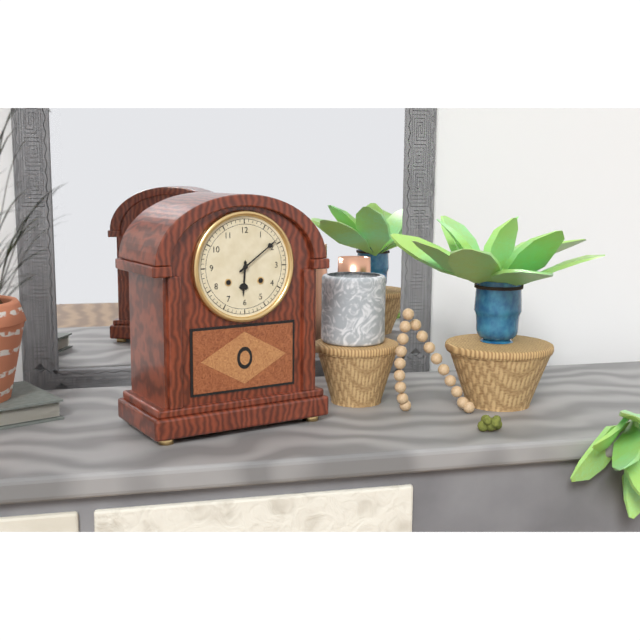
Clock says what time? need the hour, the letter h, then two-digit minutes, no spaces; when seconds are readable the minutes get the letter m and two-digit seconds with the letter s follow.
6h09
